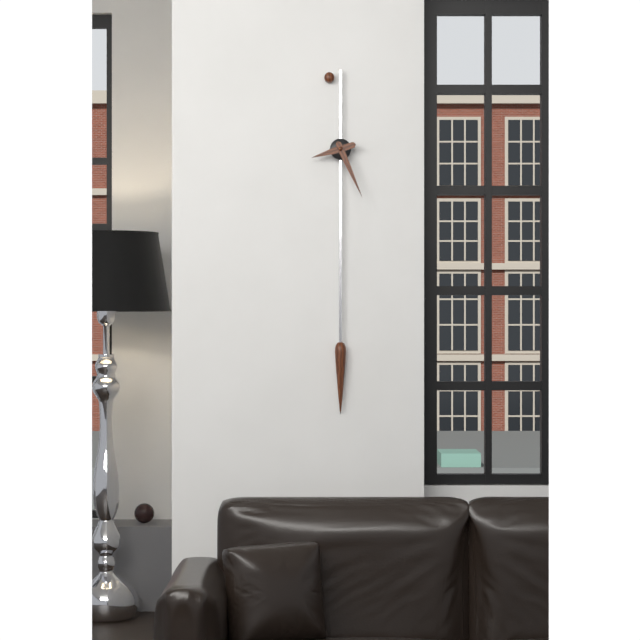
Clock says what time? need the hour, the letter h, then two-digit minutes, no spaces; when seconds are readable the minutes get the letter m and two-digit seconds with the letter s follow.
8h26
